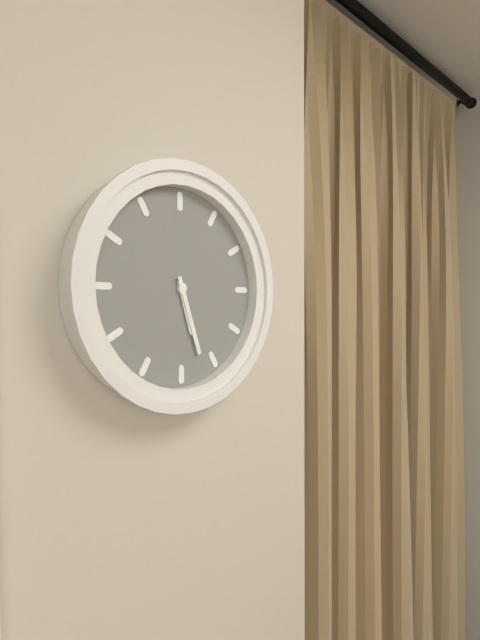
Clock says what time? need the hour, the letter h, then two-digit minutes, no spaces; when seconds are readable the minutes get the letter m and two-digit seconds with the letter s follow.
5h27
